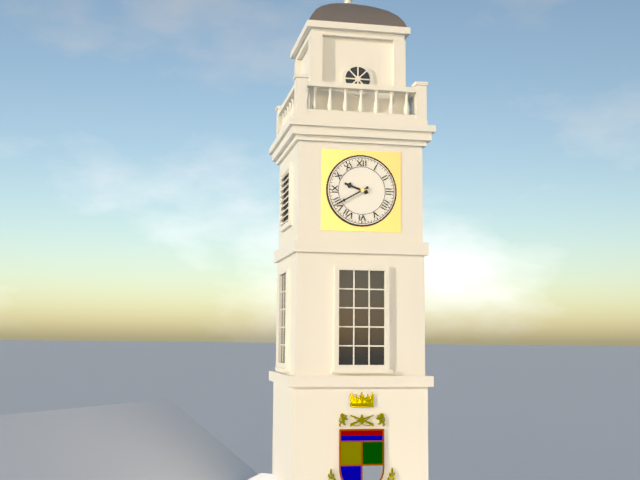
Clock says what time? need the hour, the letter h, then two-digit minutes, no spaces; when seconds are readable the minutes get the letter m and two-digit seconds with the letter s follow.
9h40
